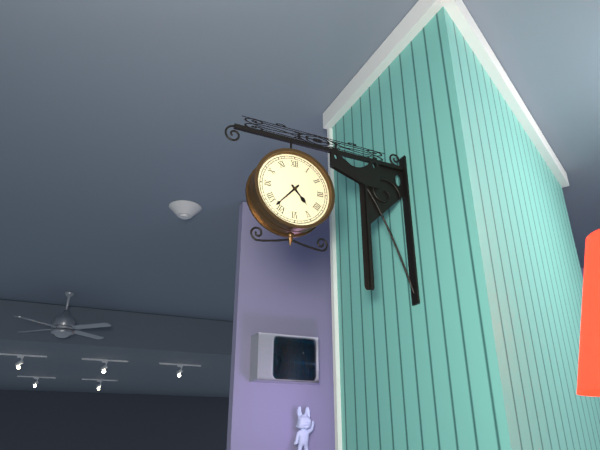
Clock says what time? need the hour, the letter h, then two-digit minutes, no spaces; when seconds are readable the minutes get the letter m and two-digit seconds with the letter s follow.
4h37
